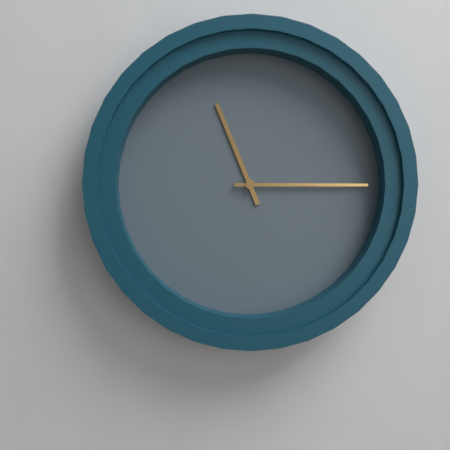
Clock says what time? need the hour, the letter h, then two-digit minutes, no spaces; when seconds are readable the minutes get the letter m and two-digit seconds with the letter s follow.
11h15
